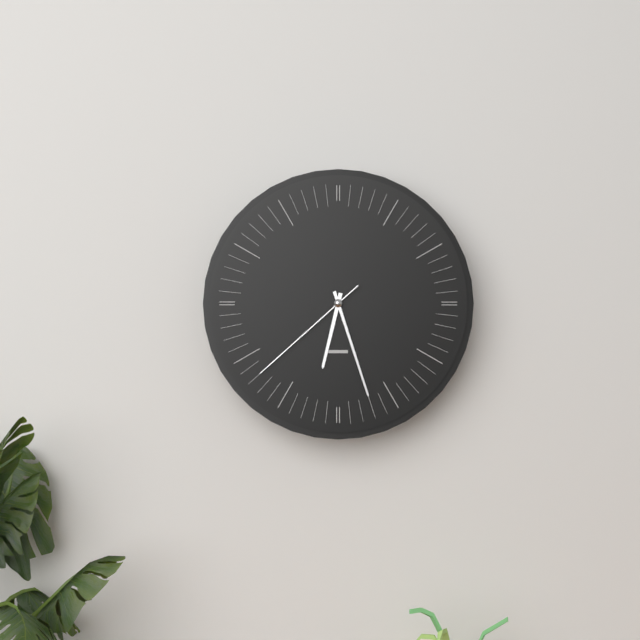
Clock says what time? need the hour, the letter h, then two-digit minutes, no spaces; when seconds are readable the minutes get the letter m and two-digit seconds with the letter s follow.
6h27m38s
